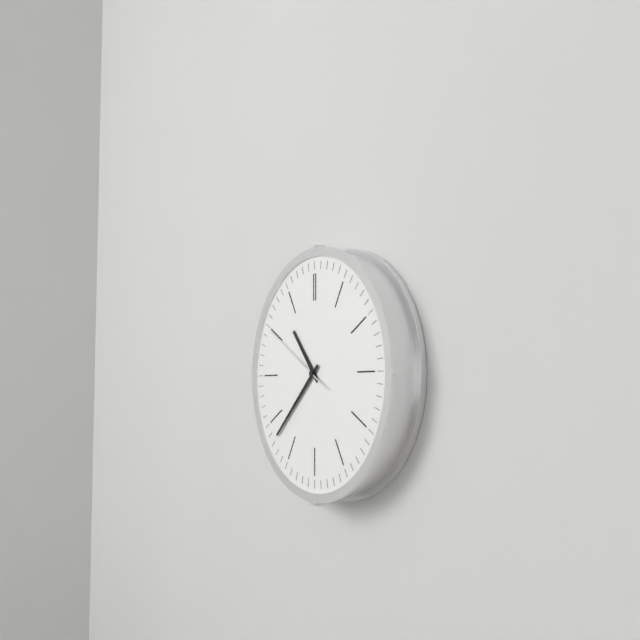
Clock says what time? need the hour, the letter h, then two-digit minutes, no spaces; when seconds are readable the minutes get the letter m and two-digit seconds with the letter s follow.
10h38m50s
